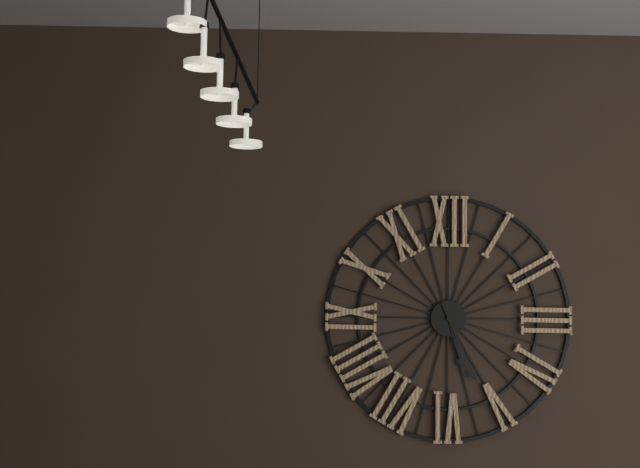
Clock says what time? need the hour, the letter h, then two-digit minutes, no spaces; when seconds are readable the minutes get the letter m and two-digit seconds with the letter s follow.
5h26
